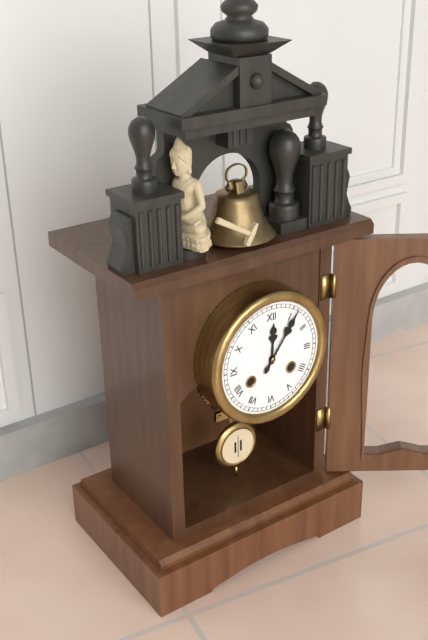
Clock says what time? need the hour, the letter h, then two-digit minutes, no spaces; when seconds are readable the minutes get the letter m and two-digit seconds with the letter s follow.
12h06
